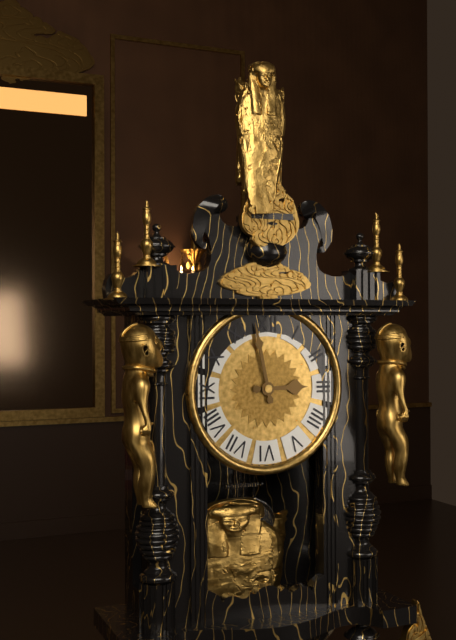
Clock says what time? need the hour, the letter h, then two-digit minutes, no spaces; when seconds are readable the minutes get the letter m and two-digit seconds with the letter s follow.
2h58
